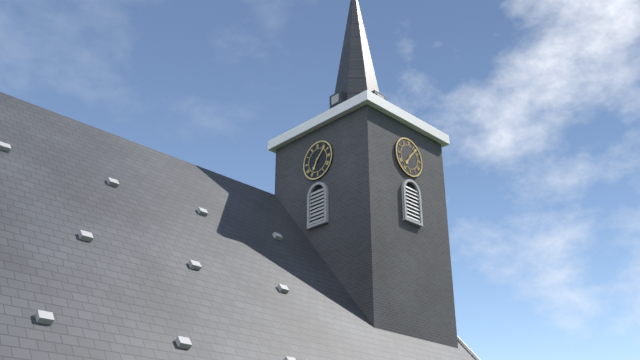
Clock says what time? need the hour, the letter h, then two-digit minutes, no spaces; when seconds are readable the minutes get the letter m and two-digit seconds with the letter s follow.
7h07
